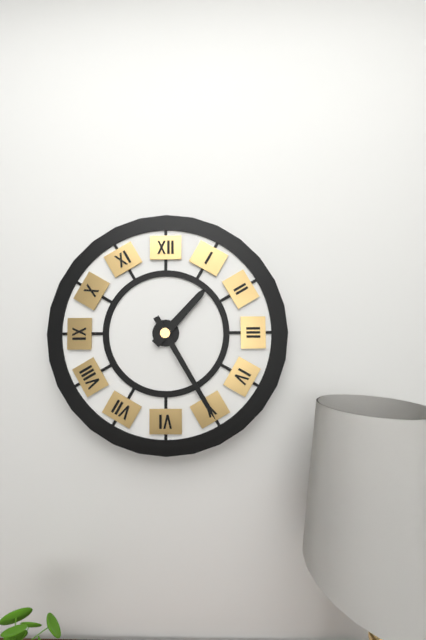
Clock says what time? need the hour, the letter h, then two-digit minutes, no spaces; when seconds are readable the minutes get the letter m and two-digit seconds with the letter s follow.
1h25
